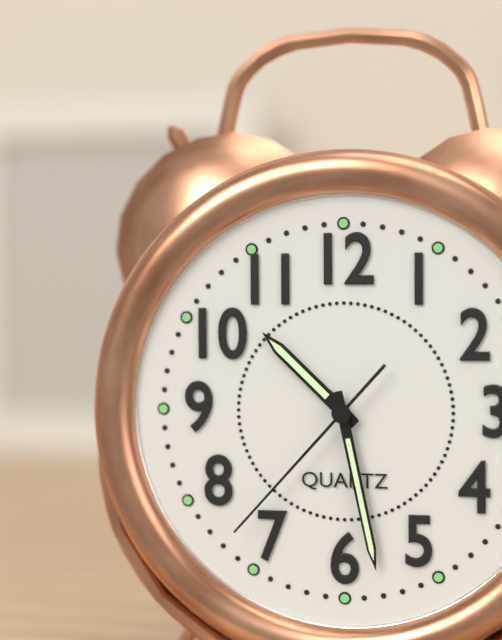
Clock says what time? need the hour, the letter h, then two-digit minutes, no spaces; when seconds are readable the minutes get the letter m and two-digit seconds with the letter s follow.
10h28m37s
